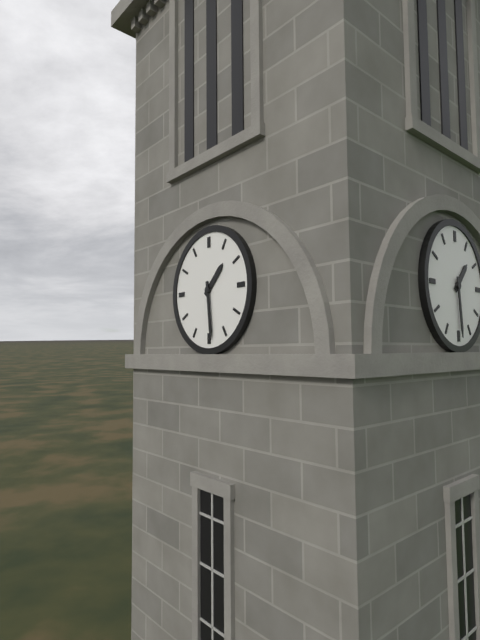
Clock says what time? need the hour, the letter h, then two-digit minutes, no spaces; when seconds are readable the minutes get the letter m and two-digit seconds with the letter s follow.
1h29
